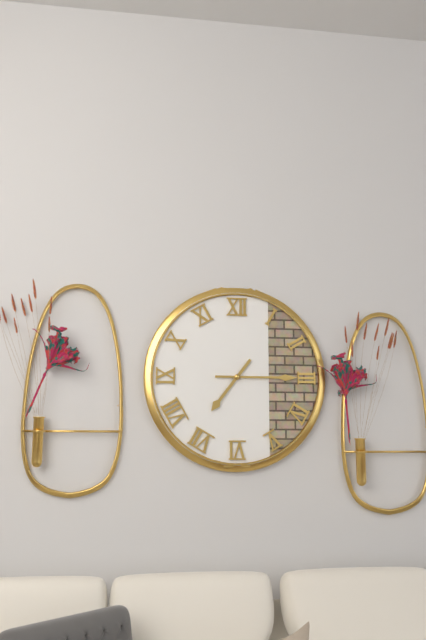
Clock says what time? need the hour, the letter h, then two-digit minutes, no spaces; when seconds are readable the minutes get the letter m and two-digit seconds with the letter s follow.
7h15
